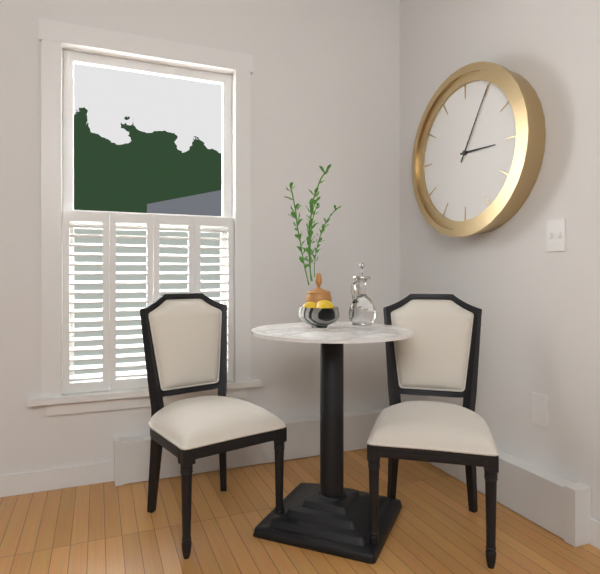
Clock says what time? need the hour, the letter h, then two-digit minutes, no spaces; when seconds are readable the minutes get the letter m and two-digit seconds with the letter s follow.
3h05
